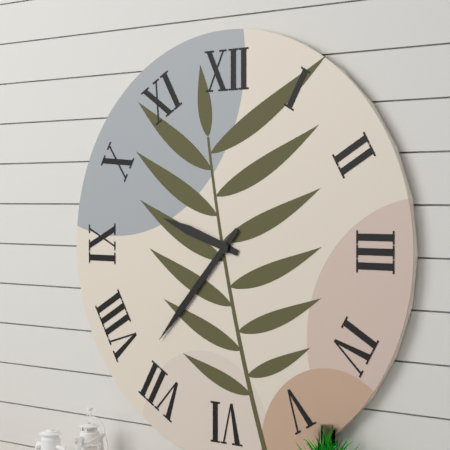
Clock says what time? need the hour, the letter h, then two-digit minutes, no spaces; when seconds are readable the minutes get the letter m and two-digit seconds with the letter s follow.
9h37
